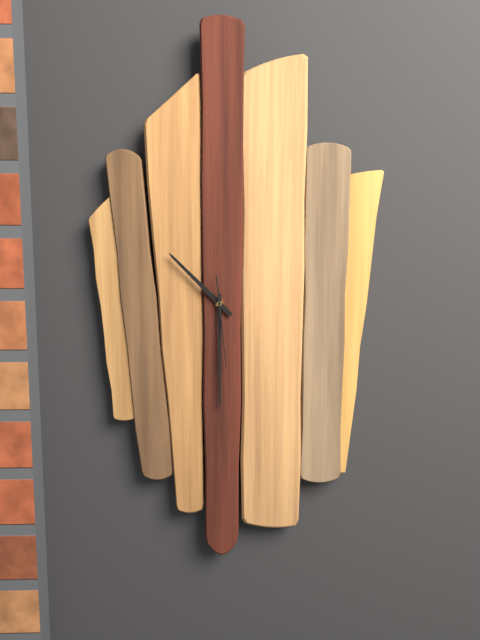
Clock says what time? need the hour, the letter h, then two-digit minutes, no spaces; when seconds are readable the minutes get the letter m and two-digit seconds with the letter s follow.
10h30m29s
